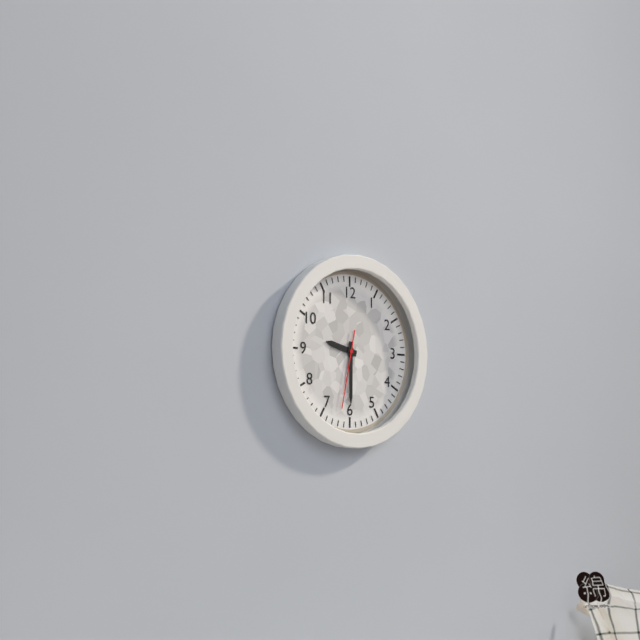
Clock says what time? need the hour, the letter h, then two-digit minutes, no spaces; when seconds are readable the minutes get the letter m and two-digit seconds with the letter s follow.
9h30m32s
